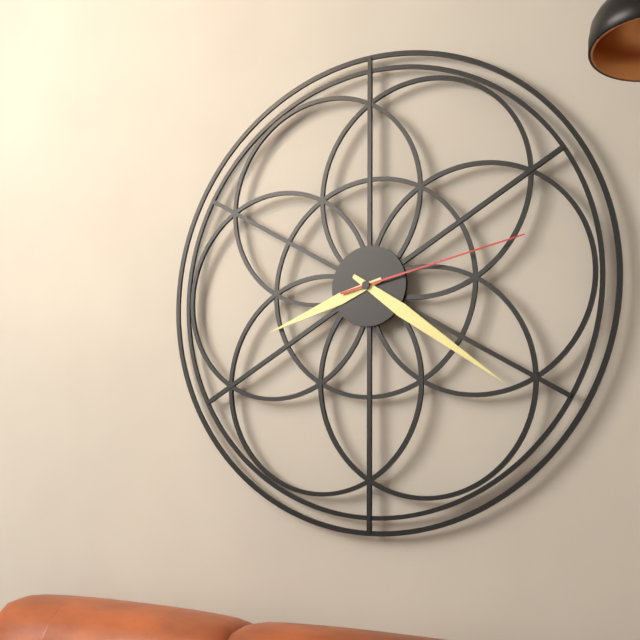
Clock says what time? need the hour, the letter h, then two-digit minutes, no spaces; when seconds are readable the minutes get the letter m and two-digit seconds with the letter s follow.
8h21m13s
